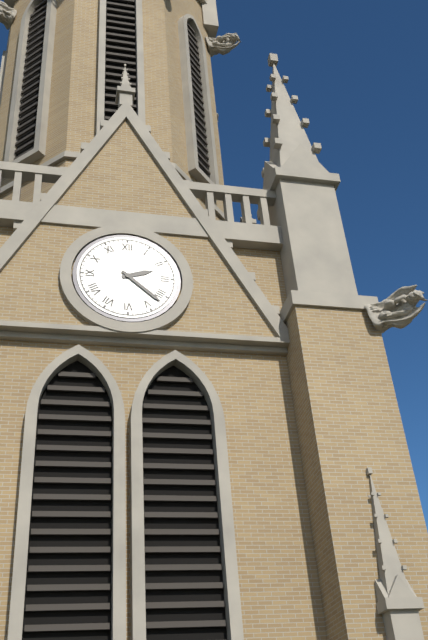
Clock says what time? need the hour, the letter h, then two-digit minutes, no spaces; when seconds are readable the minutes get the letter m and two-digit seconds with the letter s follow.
2h22
